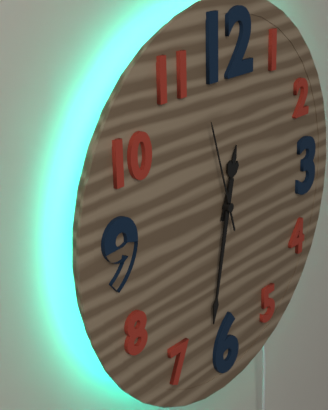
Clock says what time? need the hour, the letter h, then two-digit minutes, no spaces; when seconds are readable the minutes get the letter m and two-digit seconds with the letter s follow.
12h32m57s
